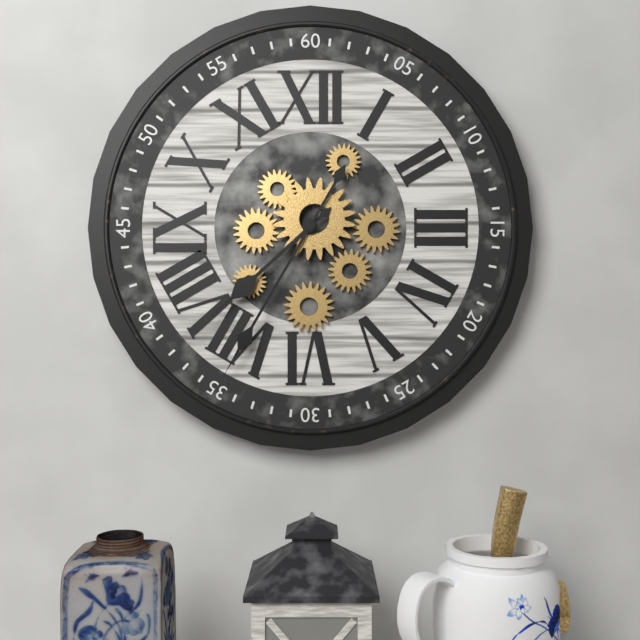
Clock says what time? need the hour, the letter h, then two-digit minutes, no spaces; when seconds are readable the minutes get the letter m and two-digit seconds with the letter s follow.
7h35
